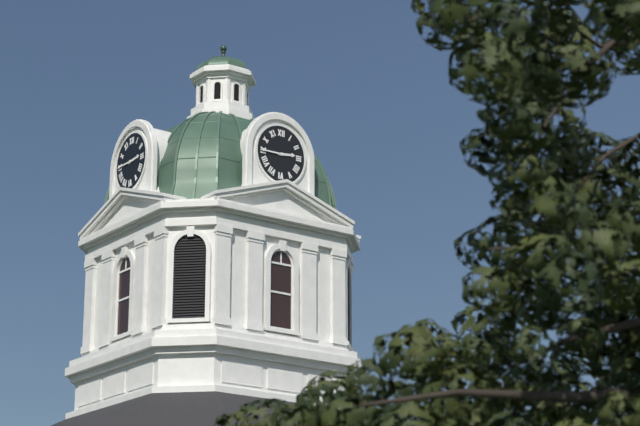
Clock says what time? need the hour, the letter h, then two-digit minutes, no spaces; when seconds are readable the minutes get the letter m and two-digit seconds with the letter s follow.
2h45
